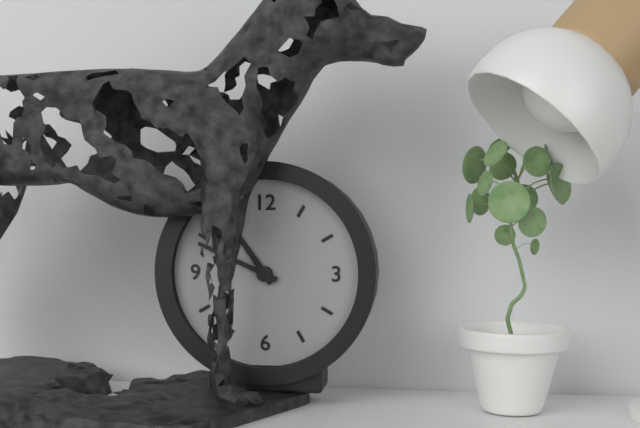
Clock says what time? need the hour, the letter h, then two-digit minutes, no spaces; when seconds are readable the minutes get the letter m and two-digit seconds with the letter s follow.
10h49
